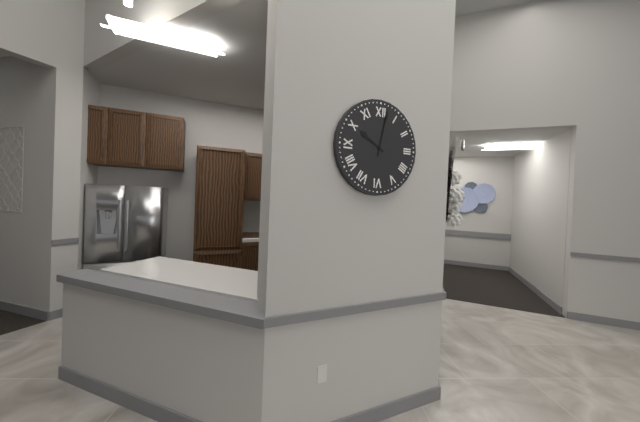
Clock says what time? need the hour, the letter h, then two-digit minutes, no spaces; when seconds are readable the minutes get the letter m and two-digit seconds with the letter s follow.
10h02
